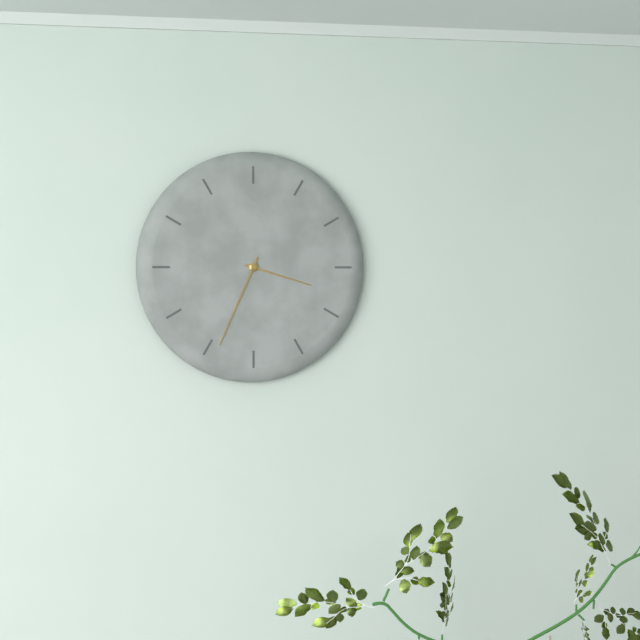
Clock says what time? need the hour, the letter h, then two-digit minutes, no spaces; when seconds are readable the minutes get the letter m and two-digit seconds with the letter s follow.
3h34
